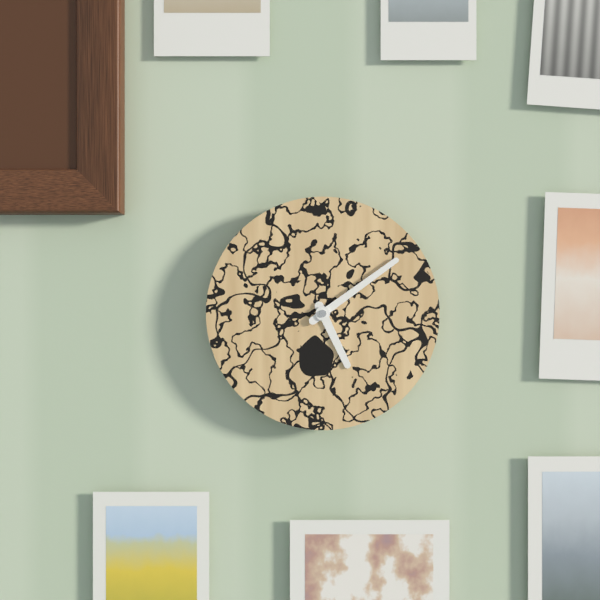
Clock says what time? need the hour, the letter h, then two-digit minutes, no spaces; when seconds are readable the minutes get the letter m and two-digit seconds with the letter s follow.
5h09
